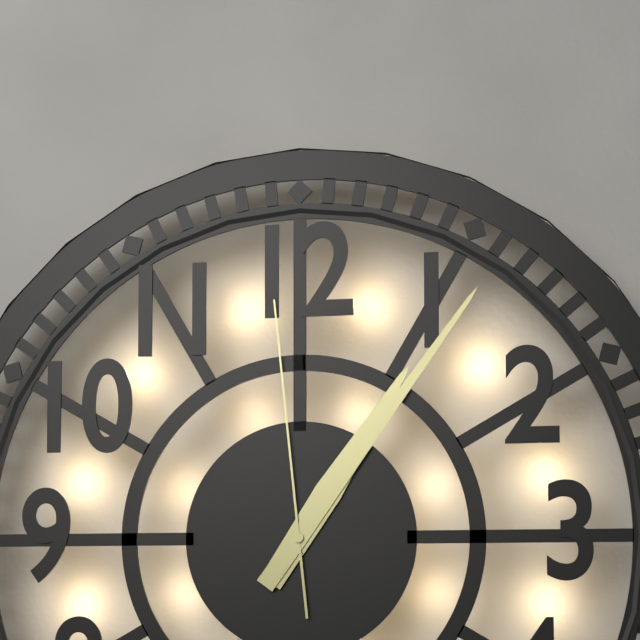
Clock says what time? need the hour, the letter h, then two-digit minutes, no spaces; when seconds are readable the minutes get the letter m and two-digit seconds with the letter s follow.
1h06m59s
